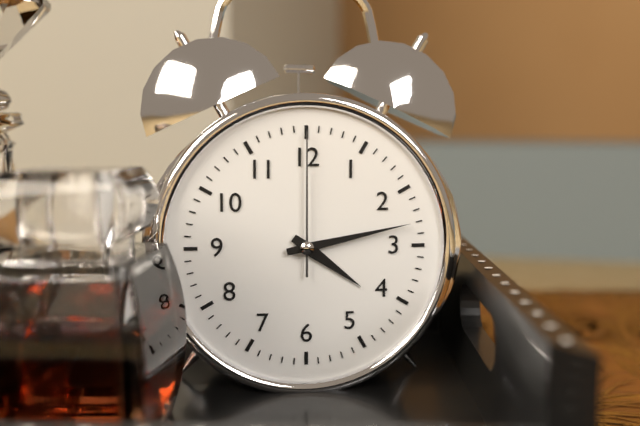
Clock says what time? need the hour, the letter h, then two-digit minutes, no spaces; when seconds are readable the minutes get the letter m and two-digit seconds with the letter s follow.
4h13m00s
